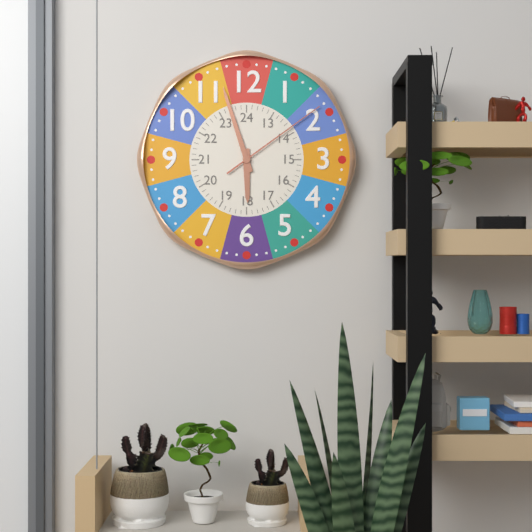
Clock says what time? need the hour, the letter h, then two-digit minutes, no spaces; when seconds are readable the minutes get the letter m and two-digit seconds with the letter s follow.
5h57m09s
